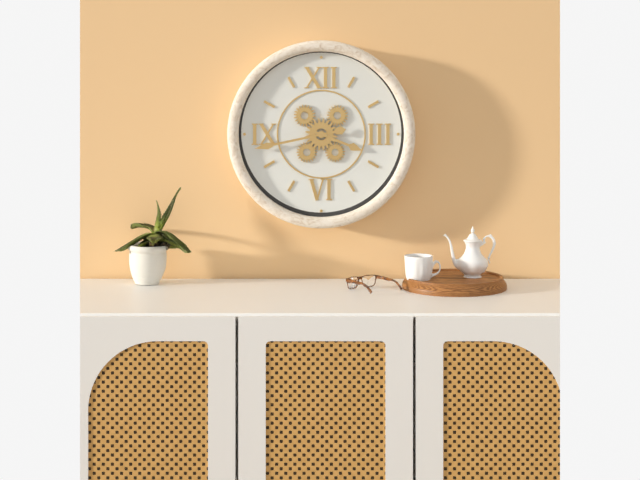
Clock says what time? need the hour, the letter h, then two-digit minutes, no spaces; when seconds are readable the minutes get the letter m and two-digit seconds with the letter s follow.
3h43
